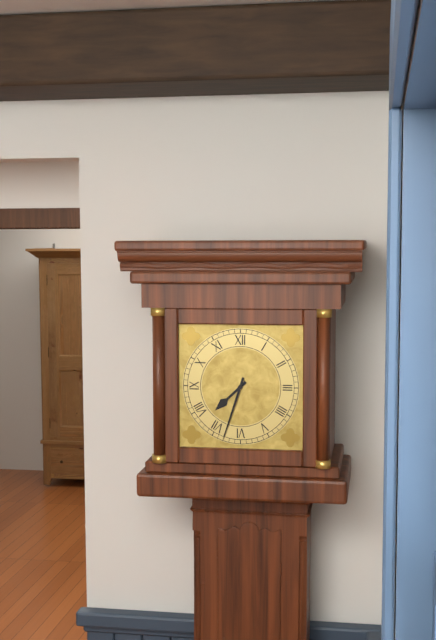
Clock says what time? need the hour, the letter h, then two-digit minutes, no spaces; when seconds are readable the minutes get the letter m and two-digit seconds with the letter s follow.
7h33
